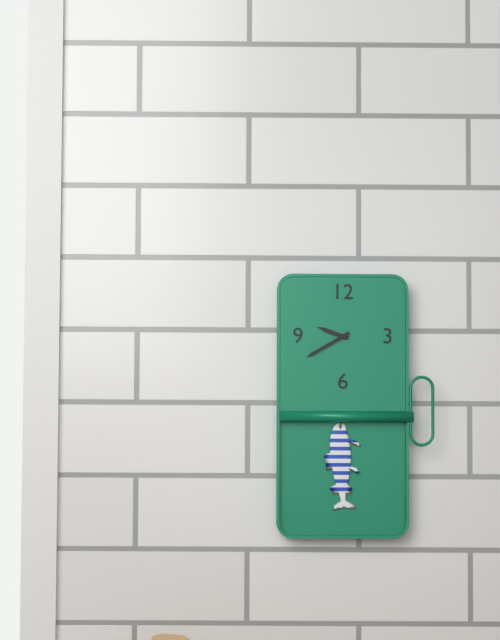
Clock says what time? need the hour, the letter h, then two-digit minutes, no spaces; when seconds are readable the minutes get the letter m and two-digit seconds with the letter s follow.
9h40
